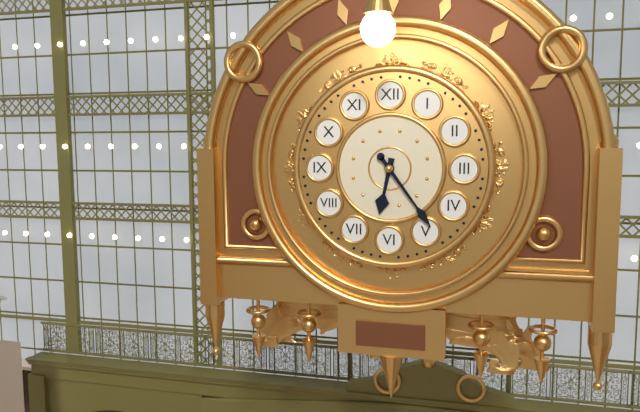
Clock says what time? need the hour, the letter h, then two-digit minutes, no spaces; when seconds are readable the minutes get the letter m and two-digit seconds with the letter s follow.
6h24
